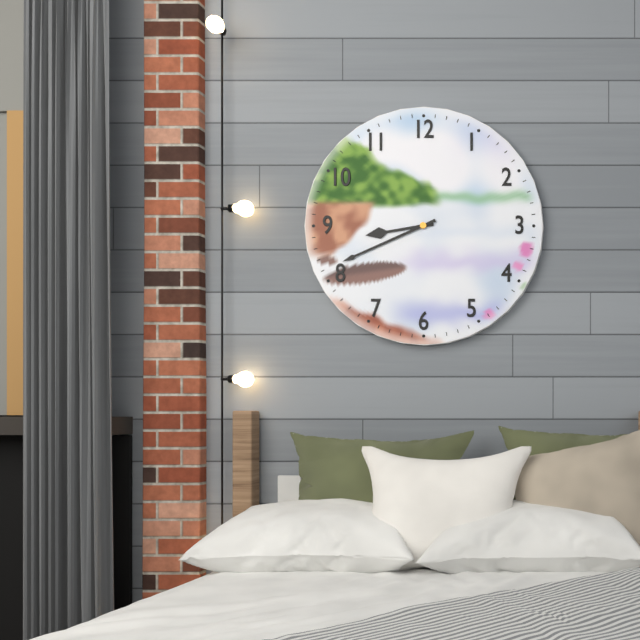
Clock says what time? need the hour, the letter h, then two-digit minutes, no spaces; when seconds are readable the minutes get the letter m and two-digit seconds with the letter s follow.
8h41
